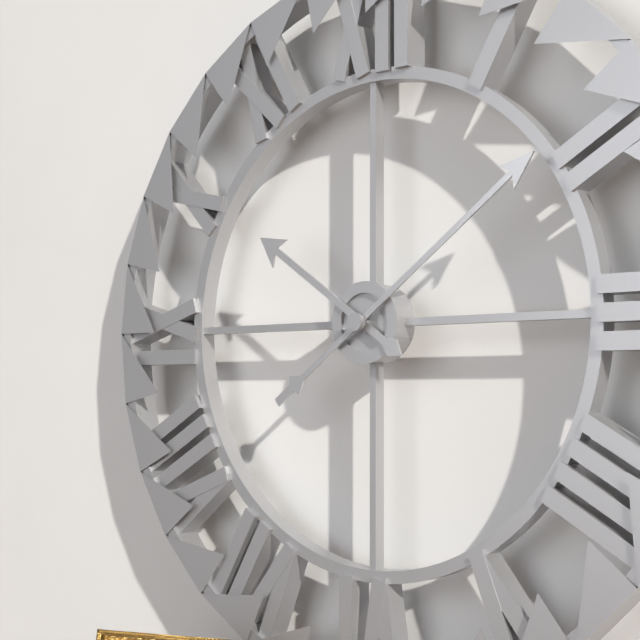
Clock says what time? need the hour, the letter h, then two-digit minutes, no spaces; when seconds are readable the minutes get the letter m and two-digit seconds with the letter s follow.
10h09
